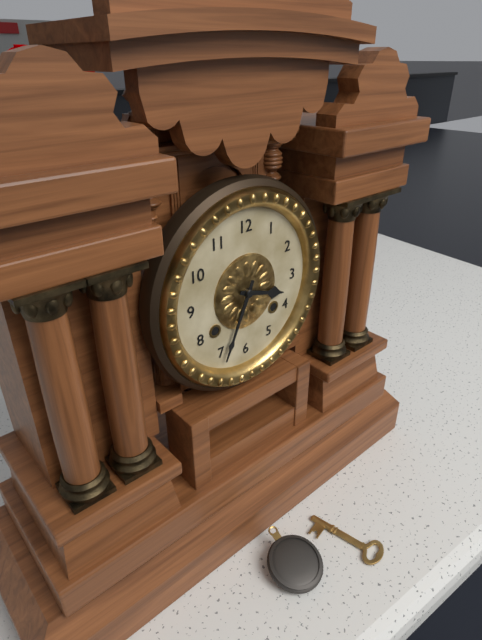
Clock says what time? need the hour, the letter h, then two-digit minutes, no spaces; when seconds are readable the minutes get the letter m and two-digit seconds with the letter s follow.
3h34
